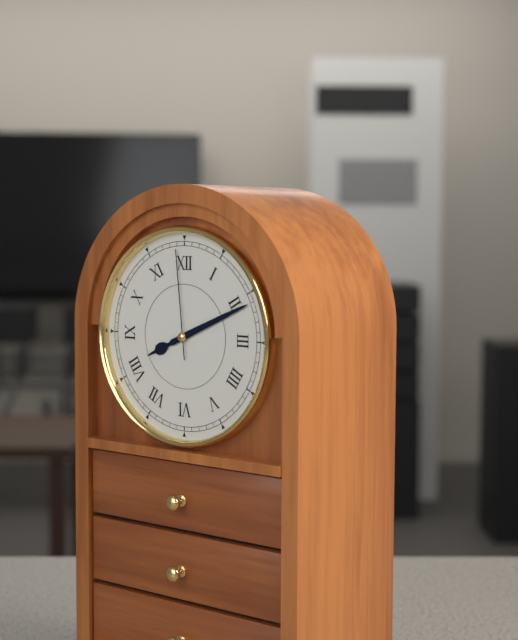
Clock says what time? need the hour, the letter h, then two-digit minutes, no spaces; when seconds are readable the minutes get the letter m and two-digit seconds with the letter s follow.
8h11m59s
